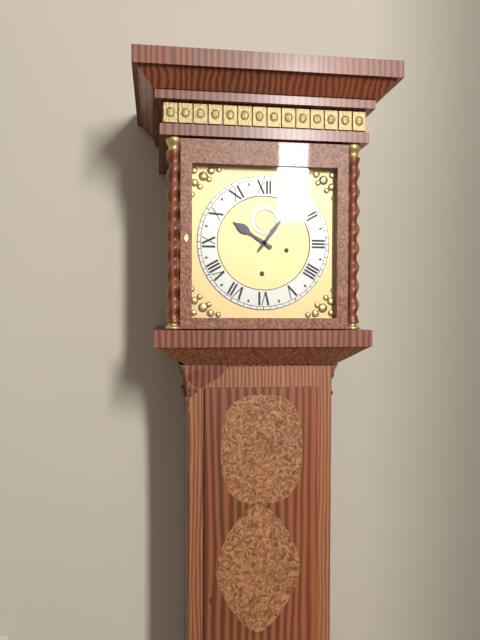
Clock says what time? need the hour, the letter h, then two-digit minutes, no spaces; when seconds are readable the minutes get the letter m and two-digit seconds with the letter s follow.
10h06
